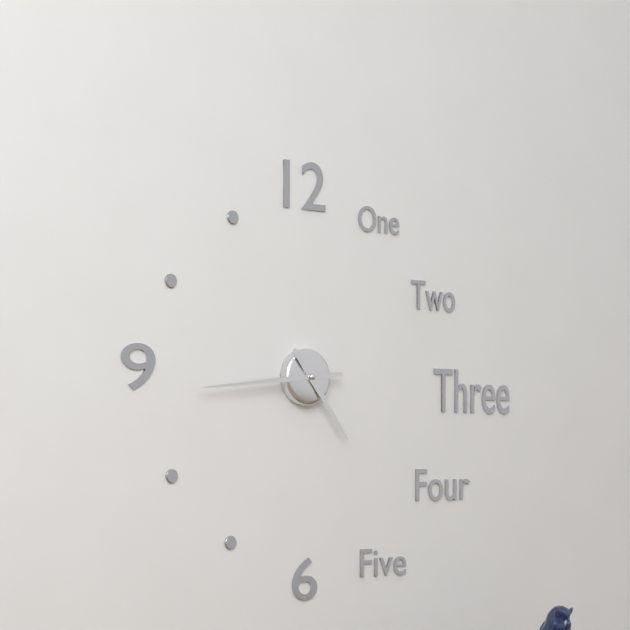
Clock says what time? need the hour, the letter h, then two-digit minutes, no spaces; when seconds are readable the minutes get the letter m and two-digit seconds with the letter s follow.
4h44
